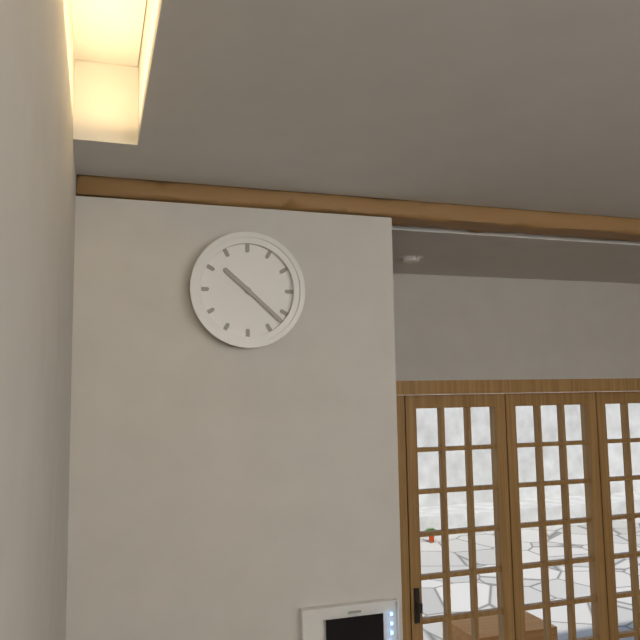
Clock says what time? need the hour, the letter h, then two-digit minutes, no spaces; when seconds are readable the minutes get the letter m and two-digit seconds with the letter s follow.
10h22
